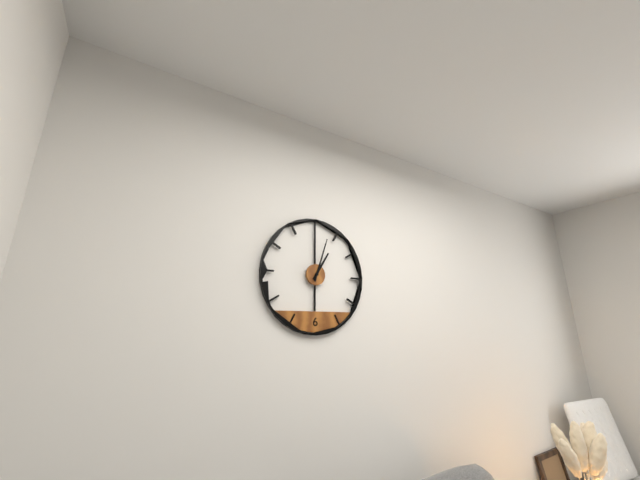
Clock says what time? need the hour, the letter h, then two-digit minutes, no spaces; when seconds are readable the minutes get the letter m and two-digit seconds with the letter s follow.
1h03
